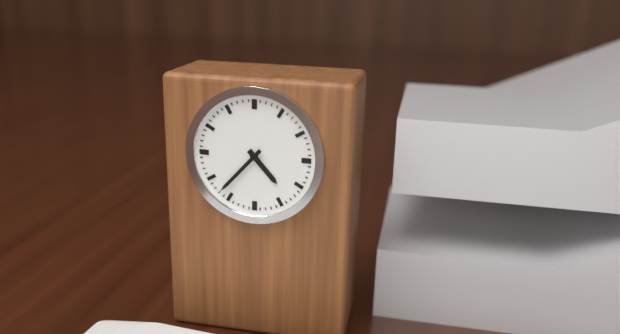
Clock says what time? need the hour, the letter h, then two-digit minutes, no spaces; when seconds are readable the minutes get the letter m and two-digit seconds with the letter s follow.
4h37
